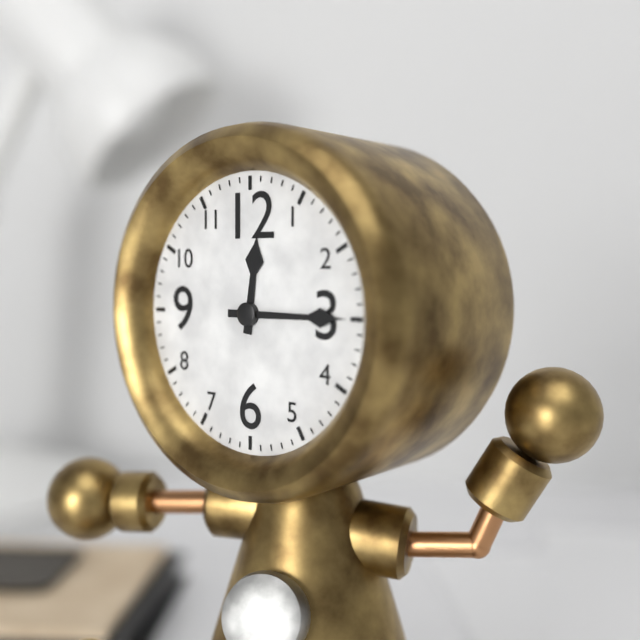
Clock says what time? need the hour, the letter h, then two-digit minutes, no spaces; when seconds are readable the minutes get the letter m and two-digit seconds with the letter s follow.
12h15
